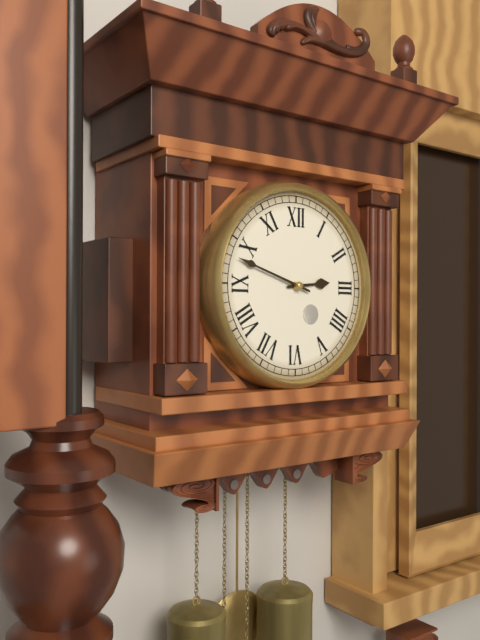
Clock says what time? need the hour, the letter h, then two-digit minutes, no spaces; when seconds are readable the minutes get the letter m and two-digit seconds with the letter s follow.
2h48
